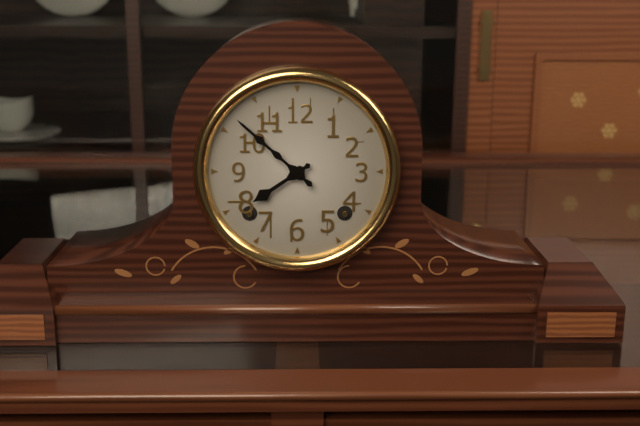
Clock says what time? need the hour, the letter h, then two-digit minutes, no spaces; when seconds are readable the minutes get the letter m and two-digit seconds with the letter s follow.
7h52
